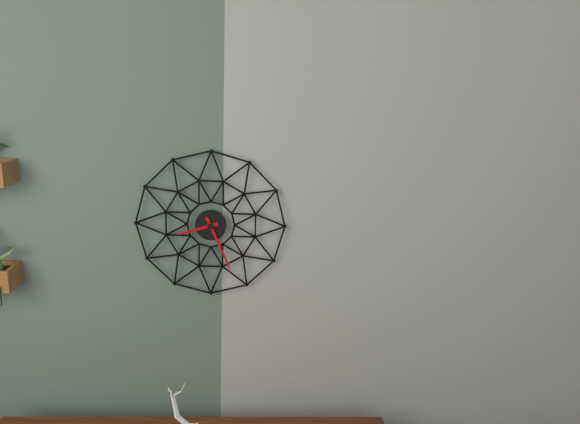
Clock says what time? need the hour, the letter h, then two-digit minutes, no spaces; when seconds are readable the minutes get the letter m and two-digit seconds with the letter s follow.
8h26
